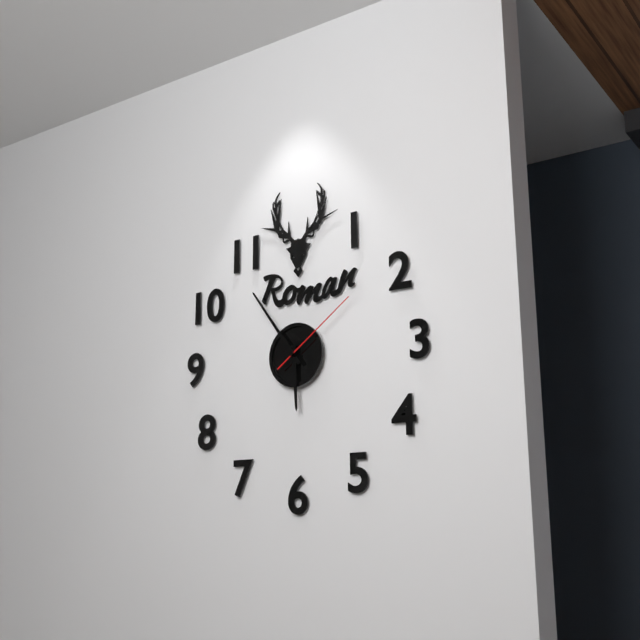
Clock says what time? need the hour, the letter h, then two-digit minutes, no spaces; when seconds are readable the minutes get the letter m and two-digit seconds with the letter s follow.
5h54m09s
